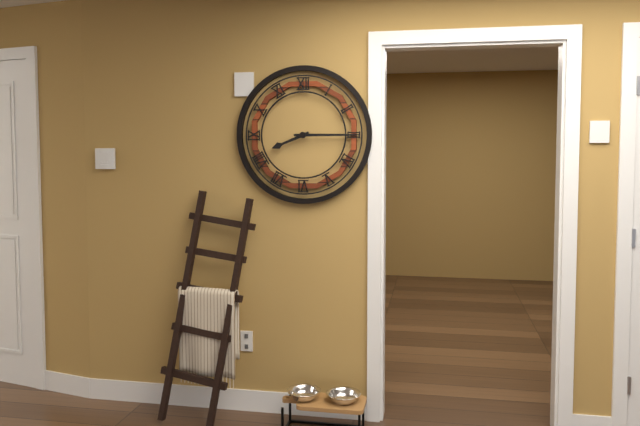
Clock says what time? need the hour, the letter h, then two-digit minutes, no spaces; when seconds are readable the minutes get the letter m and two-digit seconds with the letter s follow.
8h15
